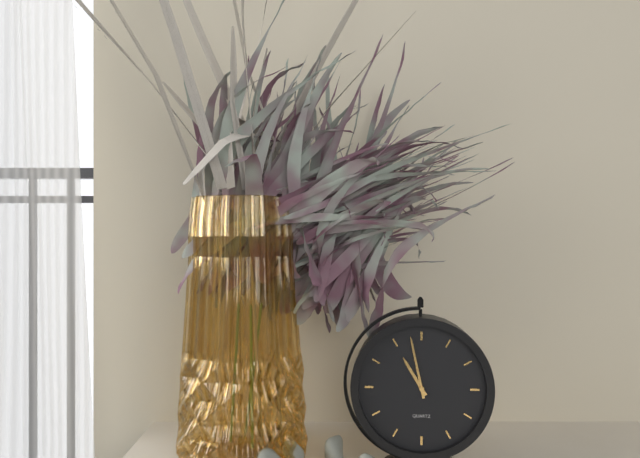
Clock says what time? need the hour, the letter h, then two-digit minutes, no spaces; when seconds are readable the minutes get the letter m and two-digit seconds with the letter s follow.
10h58
